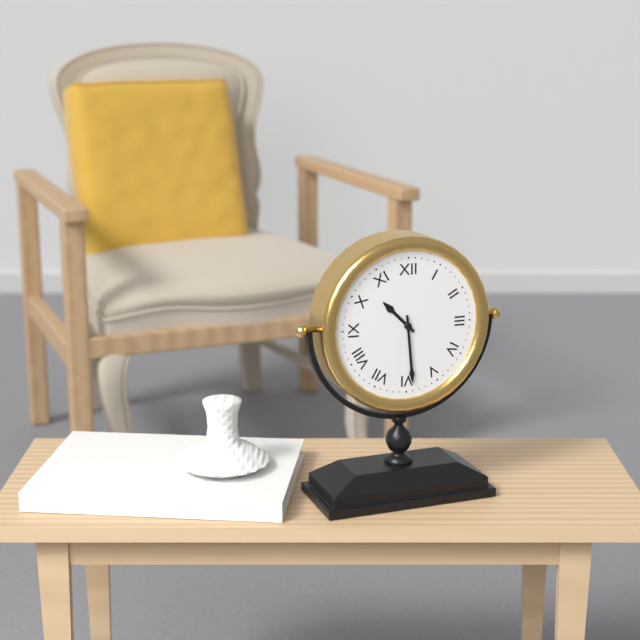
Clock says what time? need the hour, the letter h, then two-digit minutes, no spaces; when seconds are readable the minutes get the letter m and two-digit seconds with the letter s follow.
10h29
